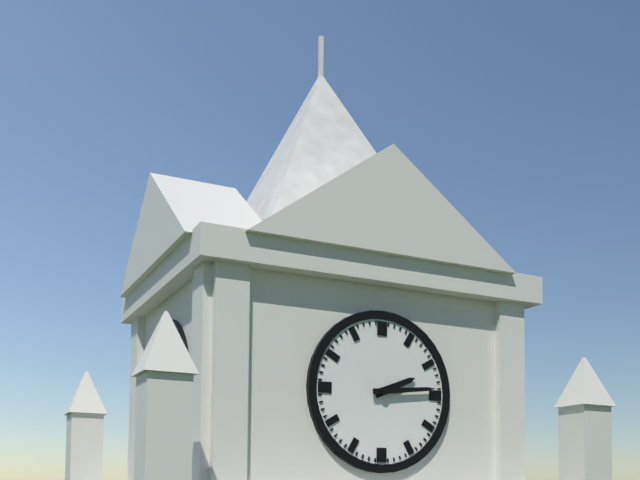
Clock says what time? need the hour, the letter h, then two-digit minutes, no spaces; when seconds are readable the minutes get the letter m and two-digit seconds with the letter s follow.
2h14
